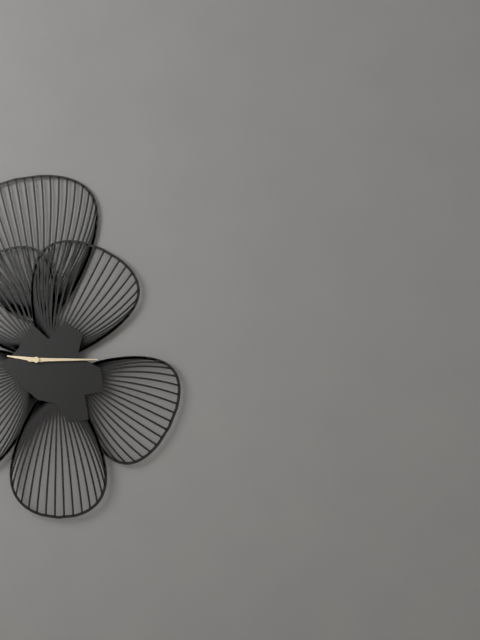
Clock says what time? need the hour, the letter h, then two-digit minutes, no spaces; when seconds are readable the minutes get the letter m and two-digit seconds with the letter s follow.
9h15
